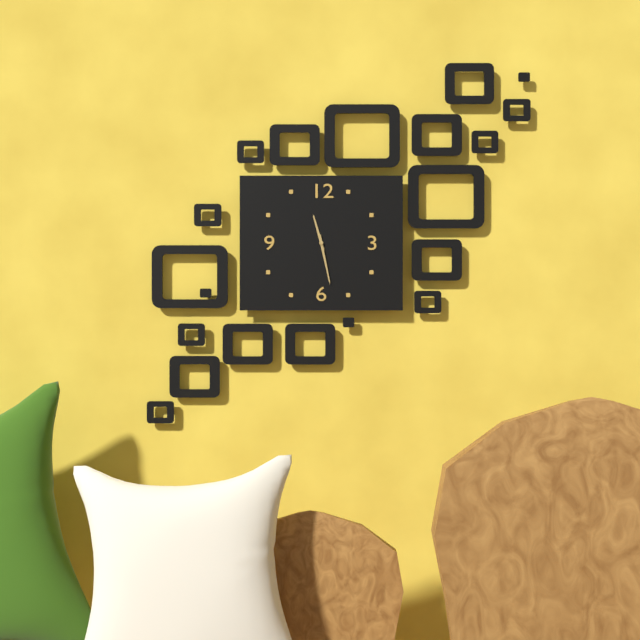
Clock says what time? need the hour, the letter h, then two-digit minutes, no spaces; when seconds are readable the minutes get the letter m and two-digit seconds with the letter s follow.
11h28
